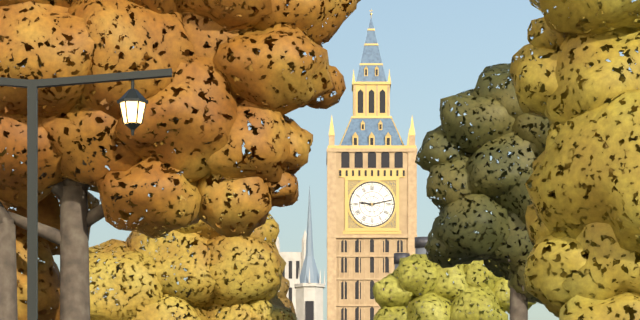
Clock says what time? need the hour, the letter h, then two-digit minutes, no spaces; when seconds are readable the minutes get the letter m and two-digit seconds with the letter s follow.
9h13
